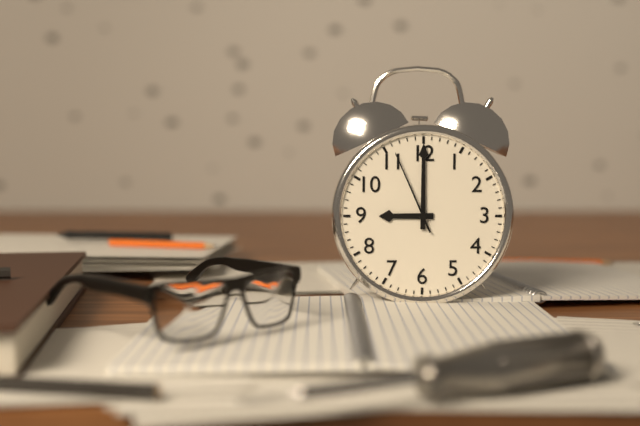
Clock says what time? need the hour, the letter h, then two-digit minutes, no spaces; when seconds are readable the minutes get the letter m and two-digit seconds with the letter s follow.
9h00m56s
